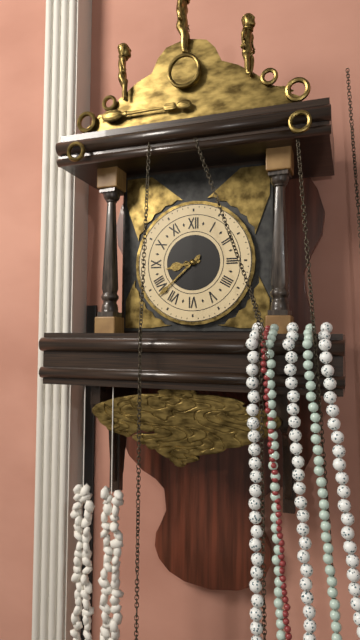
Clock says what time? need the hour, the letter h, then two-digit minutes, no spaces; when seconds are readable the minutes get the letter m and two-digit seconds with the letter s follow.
8h38
